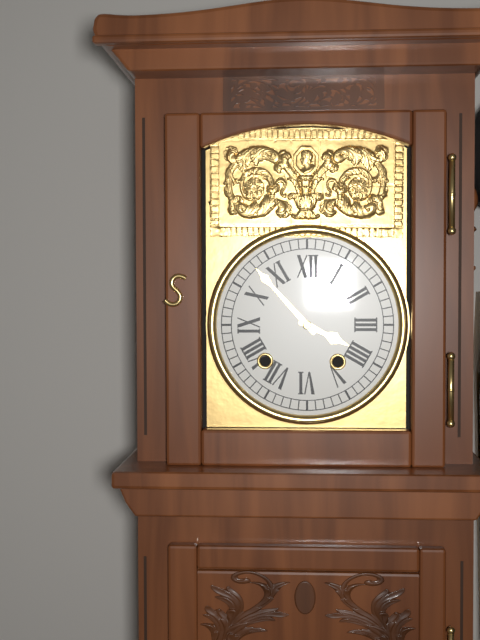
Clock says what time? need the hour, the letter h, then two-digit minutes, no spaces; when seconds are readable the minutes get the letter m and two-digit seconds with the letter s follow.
3h53
